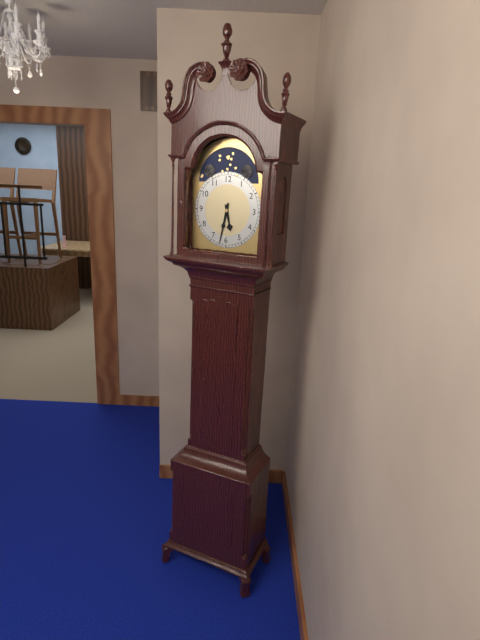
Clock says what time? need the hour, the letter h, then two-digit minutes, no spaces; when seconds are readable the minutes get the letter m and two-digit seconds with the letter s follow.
5h32
